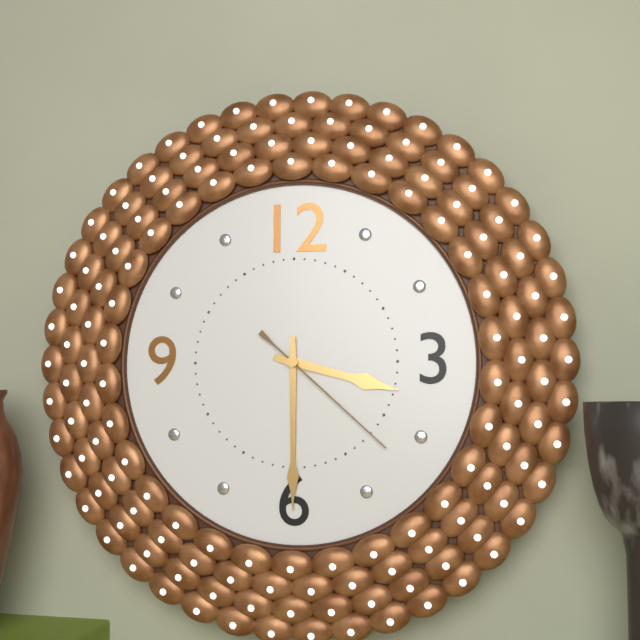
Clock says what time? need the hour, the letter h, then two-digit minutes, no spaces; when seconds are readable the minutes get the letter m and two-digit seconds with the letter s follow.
3h30m22s
